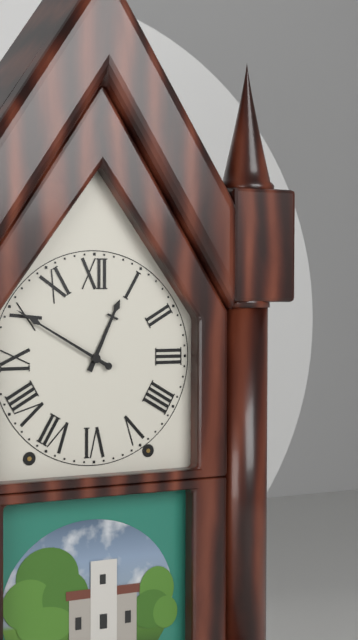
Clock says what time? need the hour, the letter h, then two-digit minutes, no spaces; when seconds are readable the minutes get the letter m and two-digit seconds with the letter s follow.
12h50
